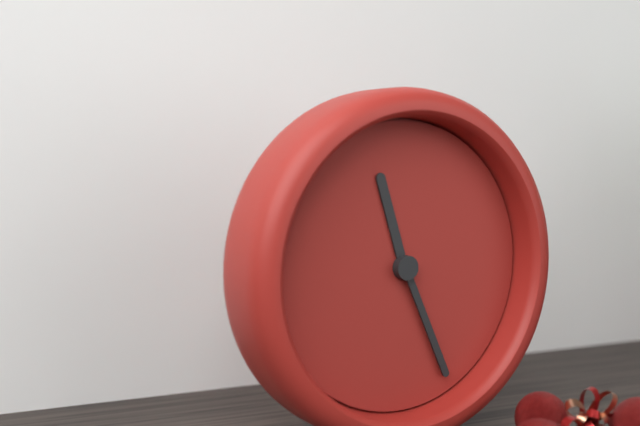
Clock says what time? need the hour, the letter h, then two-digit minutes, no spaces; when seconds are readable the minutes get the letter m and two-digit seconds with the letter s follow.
11h26
